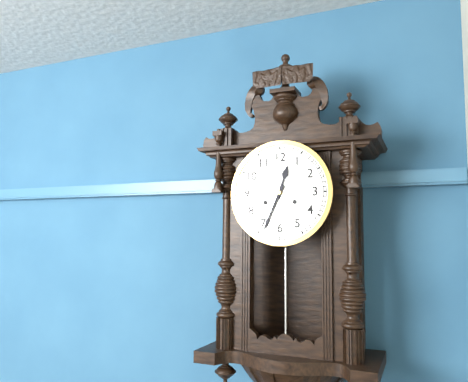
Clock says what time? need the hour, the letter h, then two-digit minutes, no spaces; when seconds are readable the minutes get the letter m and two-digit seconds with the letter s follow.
12h34
